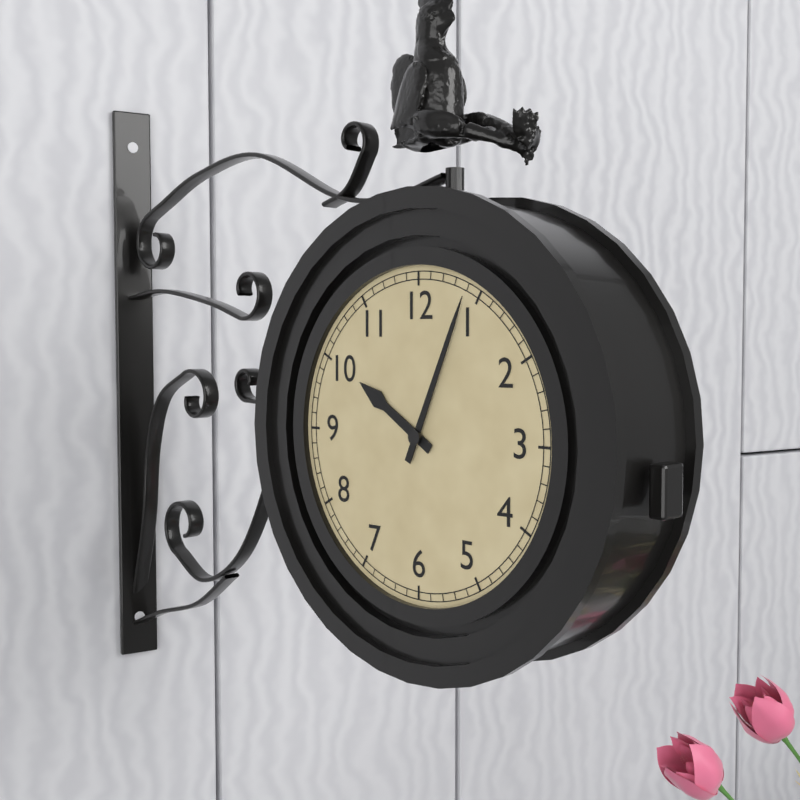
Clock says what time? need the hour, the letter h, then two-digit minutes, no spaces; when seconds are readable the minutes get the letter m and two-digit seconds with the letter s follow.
10h04
